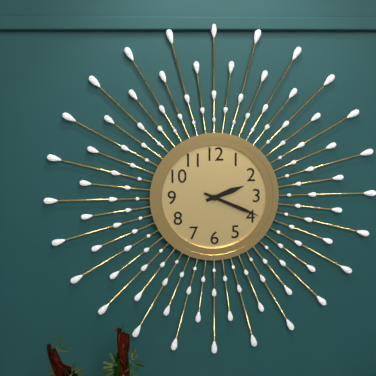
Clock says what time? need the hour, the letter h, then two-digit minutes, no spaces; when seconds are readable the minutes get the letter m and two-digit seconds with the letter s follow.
2h19
